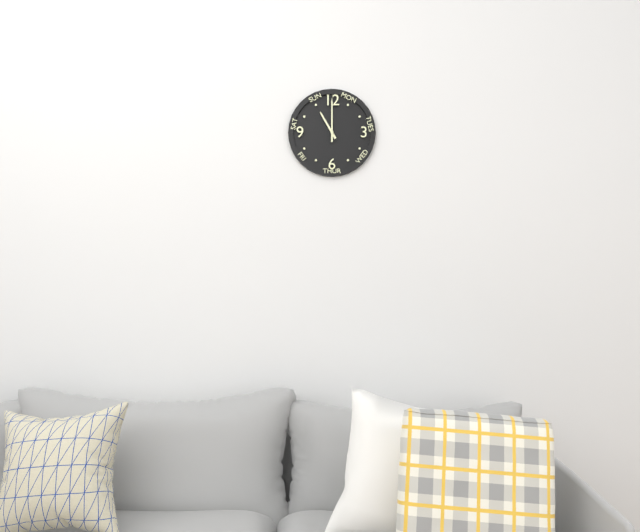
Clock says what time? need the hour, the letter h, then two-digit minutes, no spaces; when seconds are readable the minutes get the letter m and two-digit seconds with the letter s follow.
11h00
